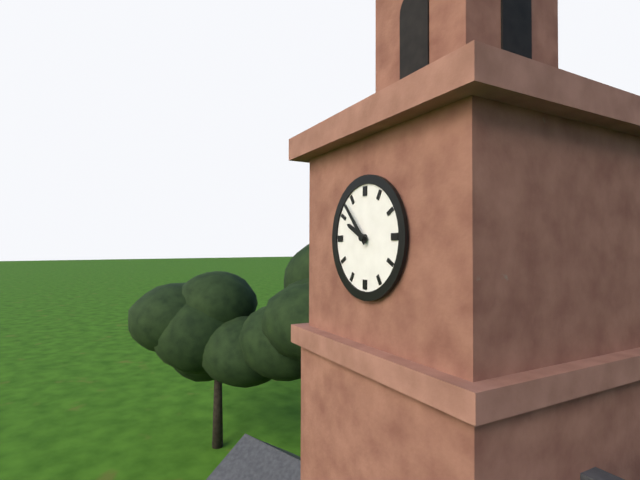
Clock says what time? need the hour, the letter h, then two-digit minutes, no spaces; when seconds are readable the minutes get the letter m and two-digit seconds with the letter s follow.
9h53
